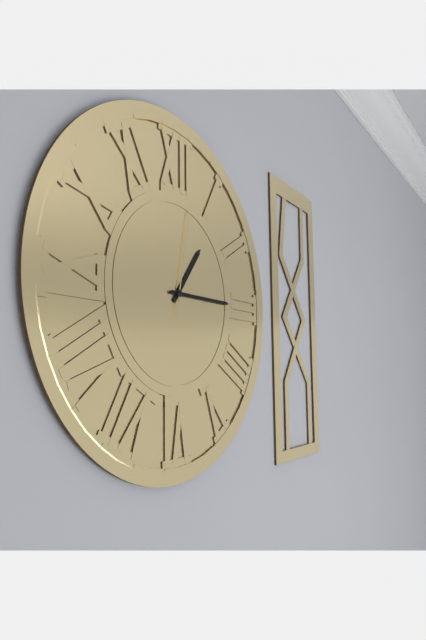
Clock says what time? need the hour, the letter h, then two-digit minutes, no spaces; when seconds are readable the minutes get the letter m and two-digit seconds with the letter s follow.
1h15m02s
